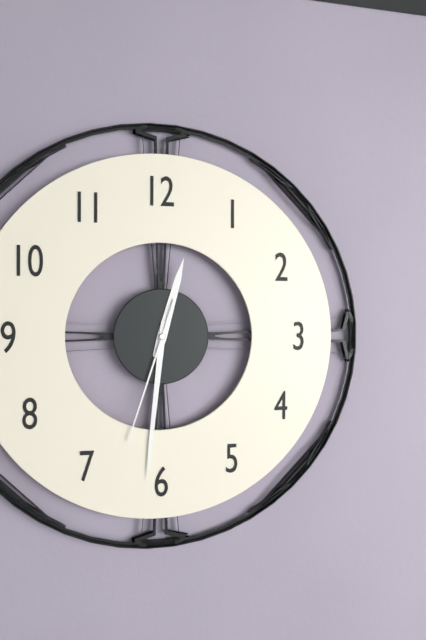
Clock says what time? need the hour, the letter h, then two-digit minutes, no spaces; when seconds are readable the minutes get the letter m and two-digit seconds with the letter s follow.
12h31m33s
